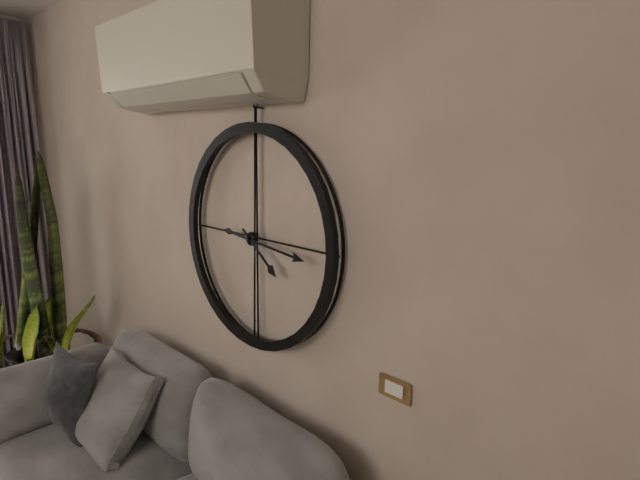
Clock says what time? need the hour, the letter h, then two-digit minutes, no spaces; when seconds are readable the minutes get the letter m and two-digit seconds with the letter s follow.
4h16
